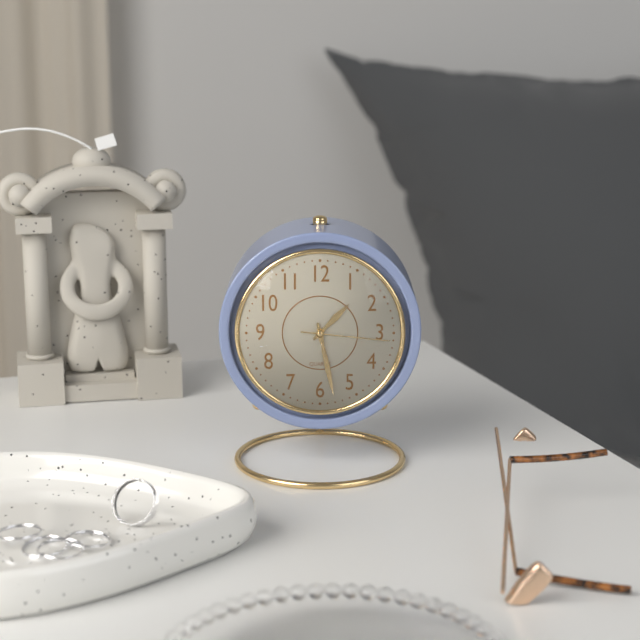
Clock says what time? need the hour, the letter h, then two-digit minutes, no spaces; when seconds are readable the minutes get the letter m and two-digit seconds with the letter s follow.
1h28m16s
